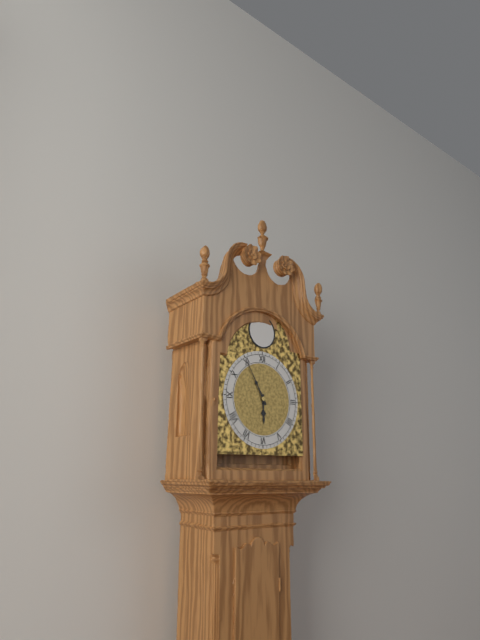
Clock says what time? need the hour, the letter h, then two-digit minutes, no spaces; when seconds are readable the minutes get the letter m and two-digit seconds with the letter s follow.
5h55
